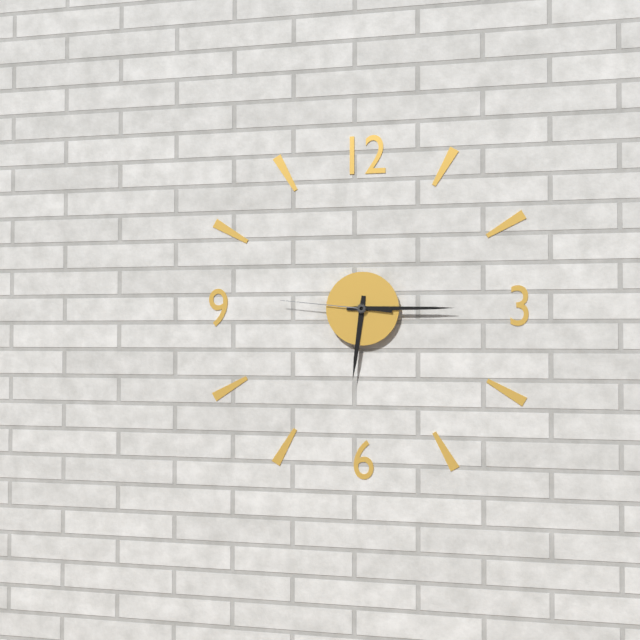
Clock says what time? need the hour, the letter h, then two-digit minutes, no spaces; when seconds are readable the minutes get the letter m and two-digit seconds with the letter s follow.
6h15m46s
